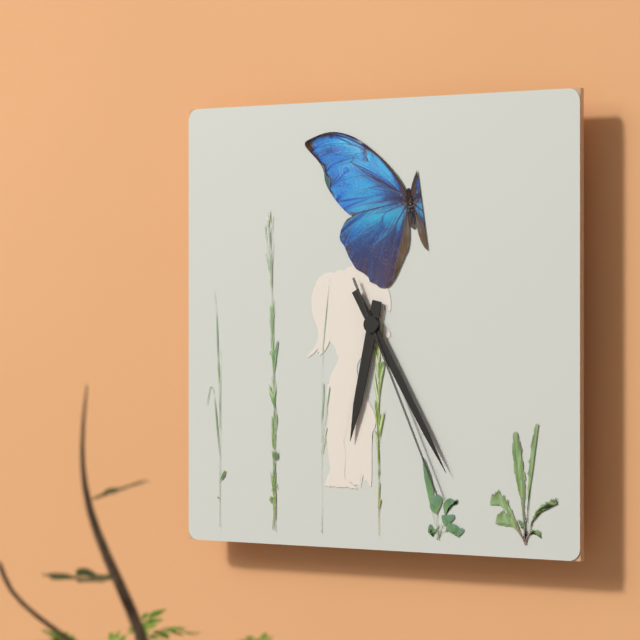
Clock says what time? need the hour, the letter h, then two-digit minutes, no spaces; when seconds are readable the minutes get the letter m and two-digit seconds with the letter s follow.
6h25m26s
